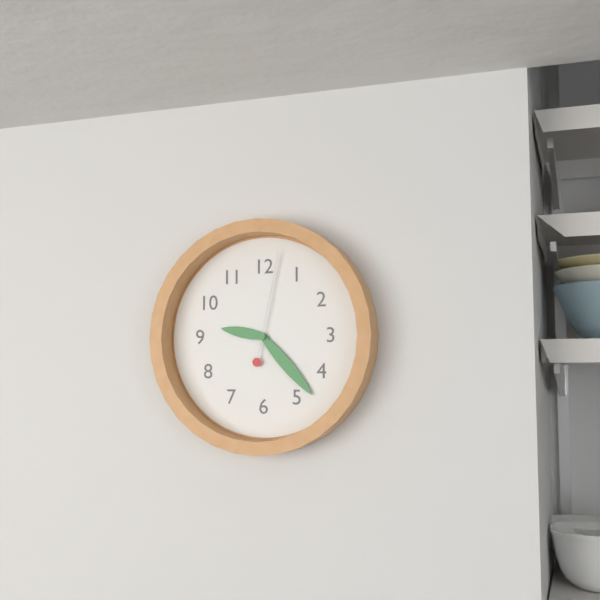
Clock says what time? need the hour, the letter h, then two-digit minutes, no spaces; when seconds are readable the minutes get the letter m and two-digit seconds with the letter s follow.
9h23m02s
